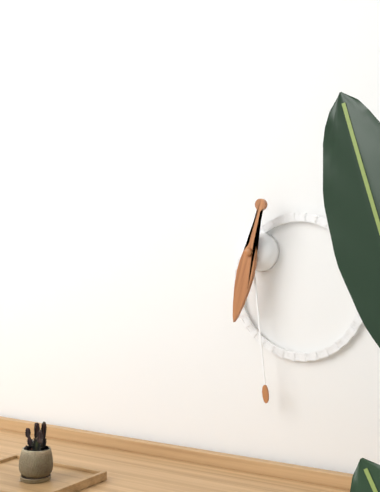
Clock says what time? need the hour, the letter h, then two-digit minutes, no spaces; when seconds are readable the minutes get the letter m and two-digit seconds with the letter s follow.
6h29
